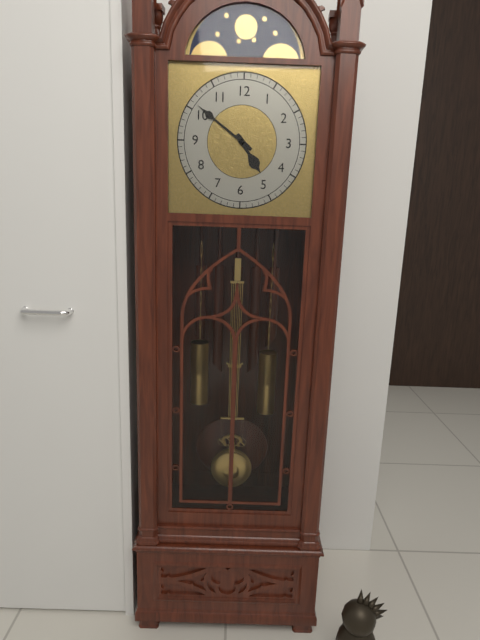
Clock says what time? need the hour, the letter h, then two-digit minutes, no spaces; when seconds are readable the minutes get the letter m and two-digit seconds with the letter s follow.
4h51
